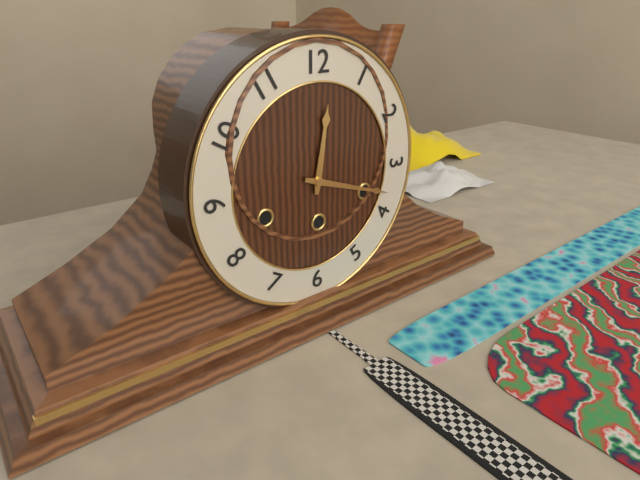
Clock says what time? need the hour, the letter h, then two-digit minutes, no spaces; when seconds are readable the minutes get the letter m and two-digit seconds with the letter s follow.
12h18
